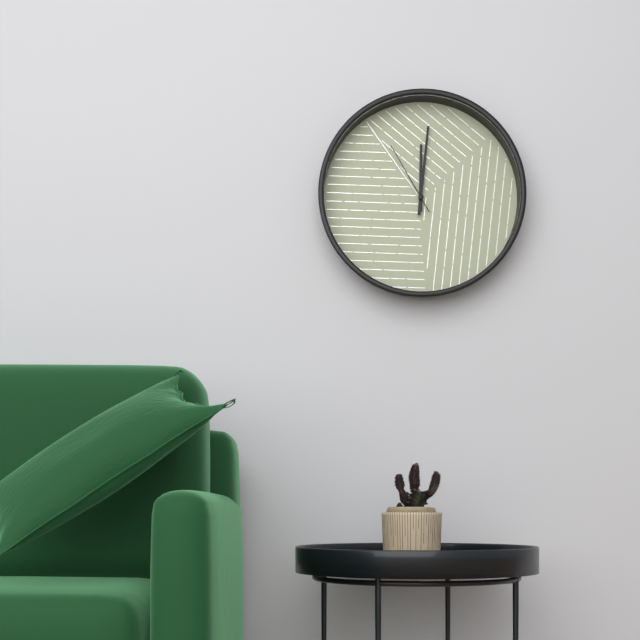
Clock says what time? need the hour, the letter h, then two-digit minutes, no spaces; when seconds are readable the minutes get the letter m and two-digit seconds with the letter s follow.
12h01m55s
